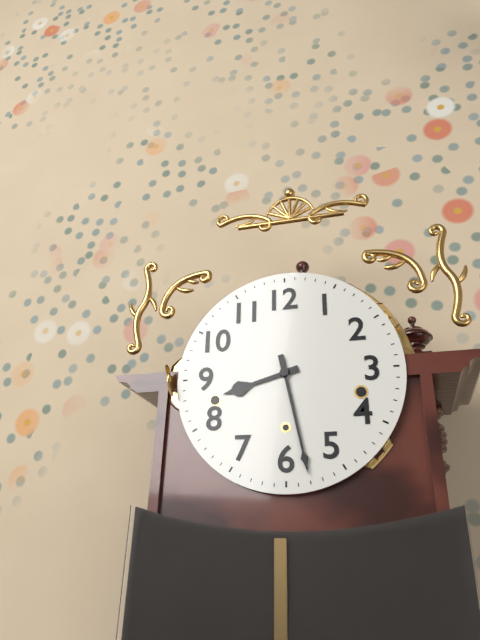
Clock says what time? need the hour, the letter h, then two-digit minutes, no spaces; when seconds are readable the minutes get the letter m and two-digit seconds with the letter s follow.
8h28
